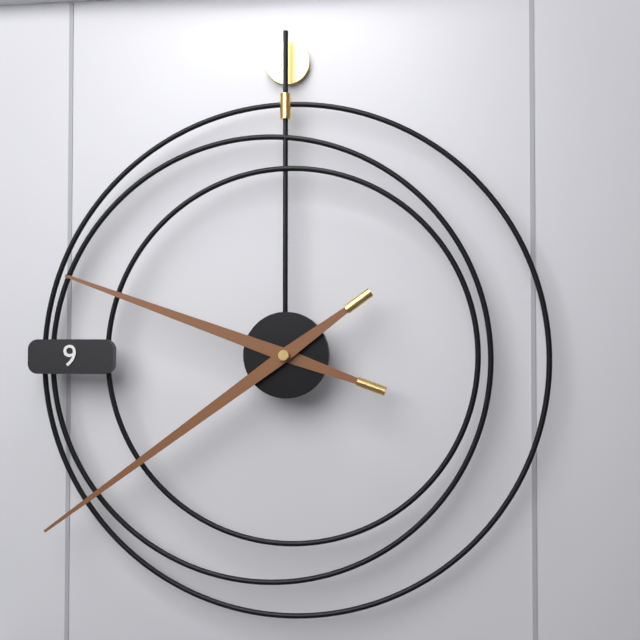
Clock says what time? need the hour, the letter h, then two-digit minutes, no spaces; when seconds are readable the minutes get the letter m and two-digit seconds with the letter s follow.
9h39
